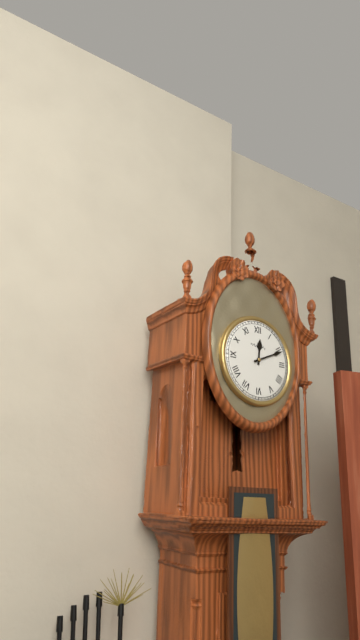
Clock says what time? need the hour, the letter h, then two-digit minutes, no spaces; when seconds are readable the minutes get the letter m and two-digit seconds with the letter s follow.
12h11
